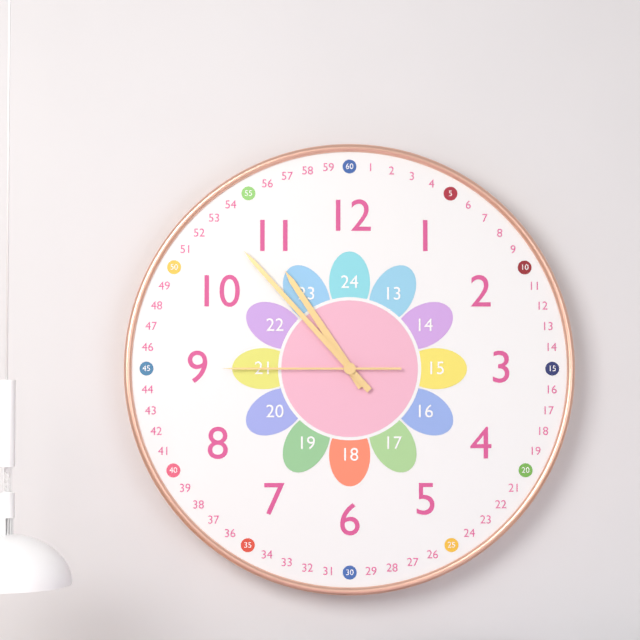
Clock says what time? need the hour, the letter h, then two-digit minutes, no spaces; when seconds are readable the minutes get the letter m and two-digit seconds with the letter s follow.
10h53m45s
